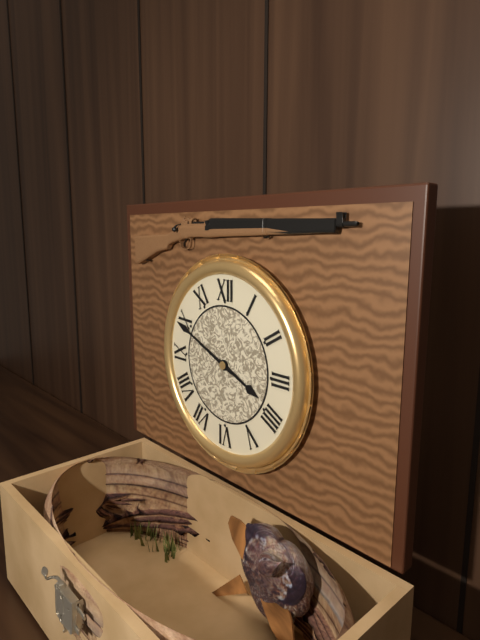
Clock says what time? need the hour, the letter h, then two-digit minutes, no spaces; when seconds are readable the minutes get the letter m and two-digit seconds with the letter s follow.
3h49
